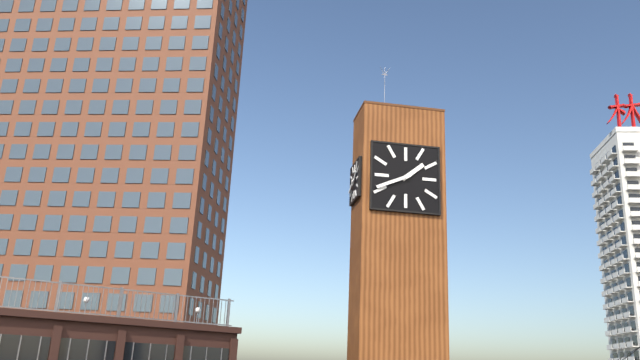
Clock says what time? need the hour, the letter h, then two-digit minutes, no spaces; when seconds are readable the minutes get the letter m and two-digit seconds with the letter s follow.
1h41
